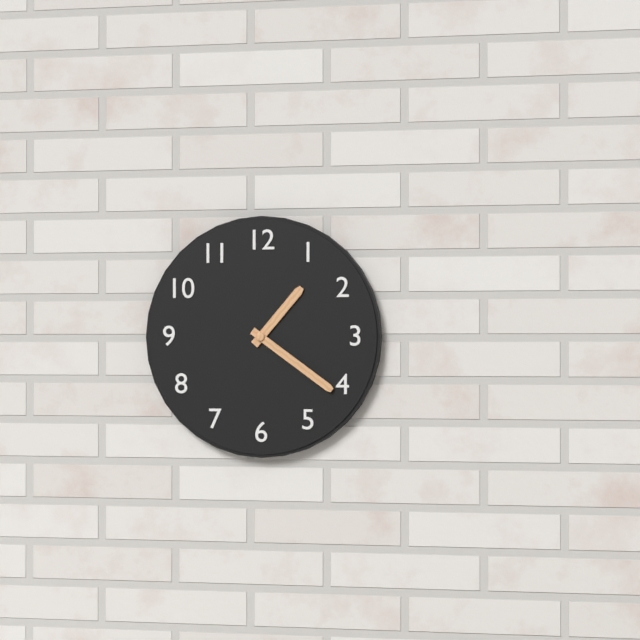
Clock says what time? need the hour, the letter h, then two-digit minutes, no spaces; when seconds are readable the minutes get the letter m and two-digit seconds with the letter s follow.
1h21
